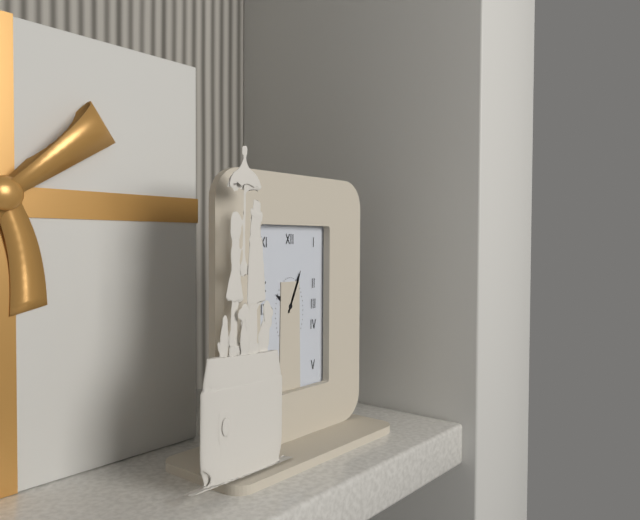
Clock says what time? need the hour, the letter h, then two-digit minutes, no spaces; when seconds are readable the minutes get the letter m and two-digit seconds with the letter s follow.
10h04
